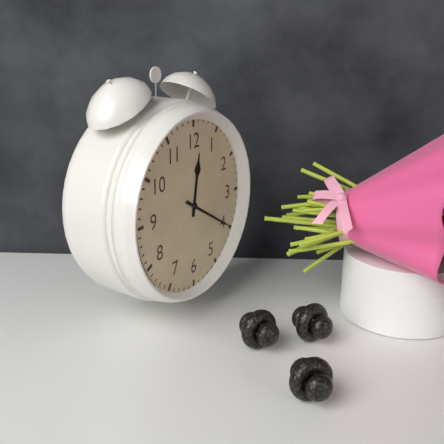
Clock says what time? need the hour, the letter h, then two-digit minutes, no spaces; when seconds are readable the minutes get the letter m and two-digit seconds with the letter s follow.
12h20
